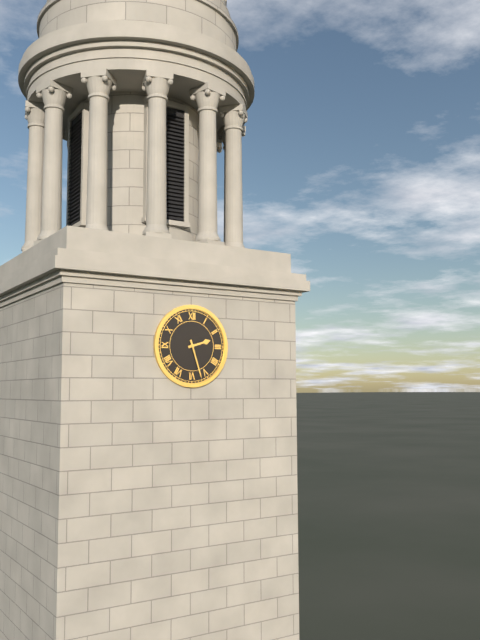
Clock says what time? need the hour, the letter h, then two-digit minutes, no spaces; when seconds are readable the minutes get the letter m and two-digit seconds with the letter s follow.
2h27
